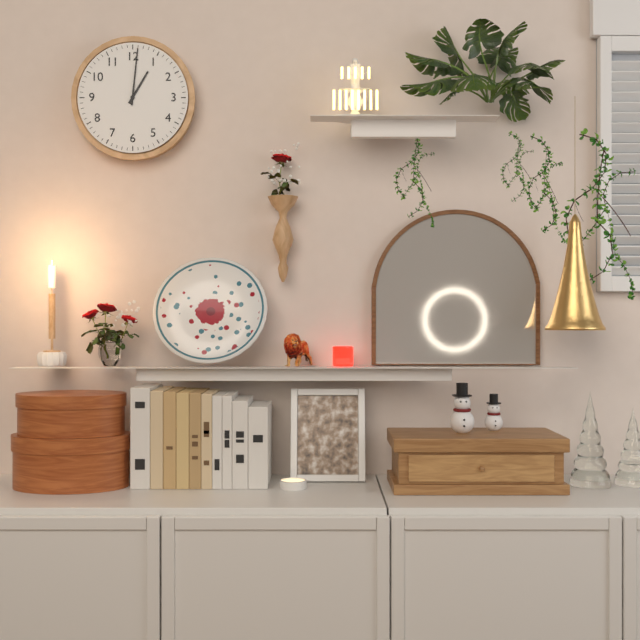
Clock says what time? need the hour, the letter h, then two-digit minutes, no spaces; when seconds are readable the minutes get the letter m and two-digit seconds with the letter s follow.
1h01
